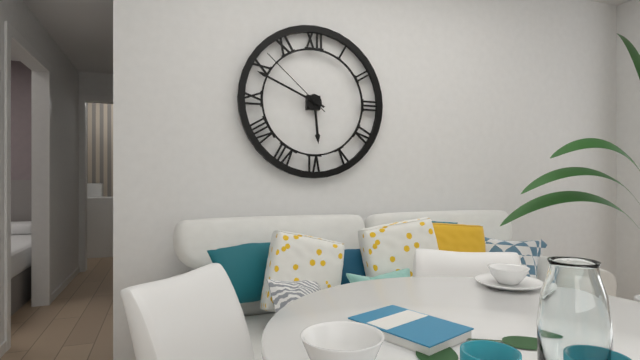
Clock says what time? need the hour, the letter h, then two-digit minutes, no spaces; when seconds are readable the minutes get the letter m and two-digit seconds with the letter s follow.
5h49m52s
